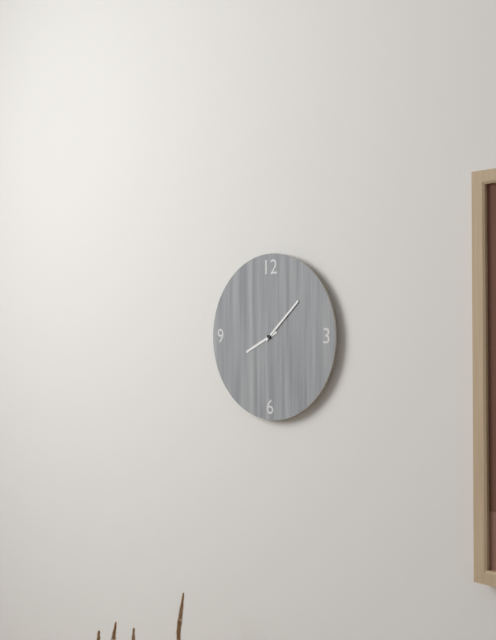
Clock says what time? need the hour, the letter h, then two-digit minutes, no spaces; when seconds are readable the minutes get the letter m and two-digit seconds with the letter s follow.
8h08
